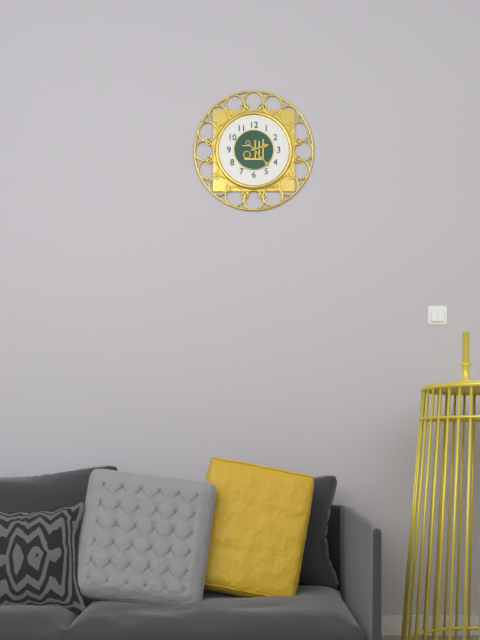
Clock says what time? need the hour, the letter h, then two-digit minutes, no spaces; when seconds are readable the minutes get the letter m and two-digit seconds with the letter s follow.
2h23
